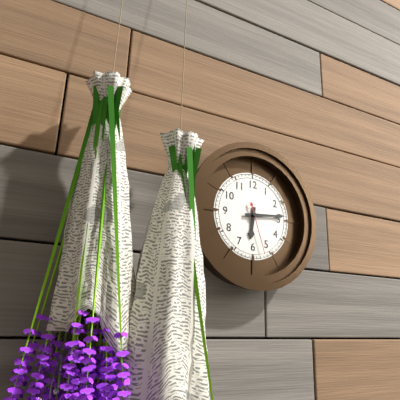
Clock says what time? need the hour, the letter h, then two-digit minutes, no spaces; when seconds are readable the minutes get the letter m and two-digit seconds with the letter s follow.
6h14m27s
